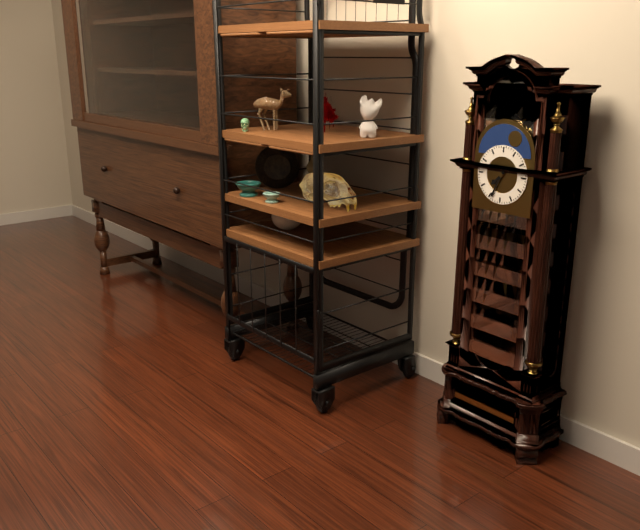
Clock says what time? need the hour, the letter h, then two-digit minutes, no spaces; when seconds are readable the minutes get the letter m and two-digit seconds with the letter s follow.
7h34
